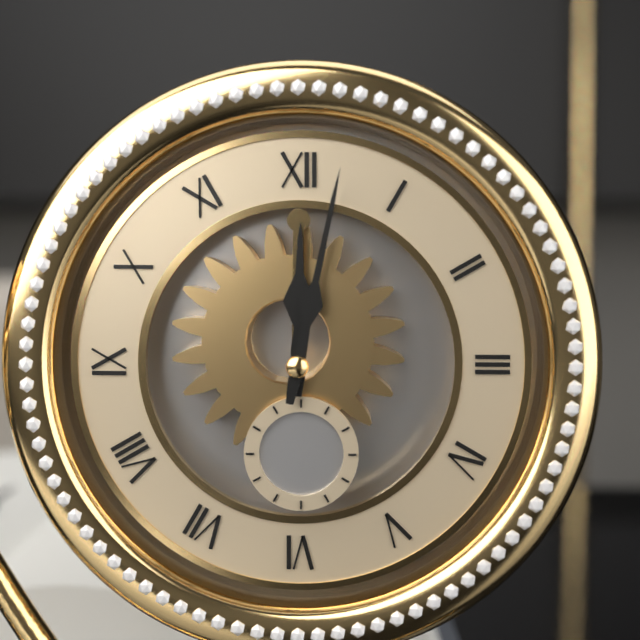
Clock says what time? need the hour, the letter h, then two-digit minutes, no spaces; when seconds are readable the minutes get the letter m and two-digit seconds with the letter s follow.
12h02
